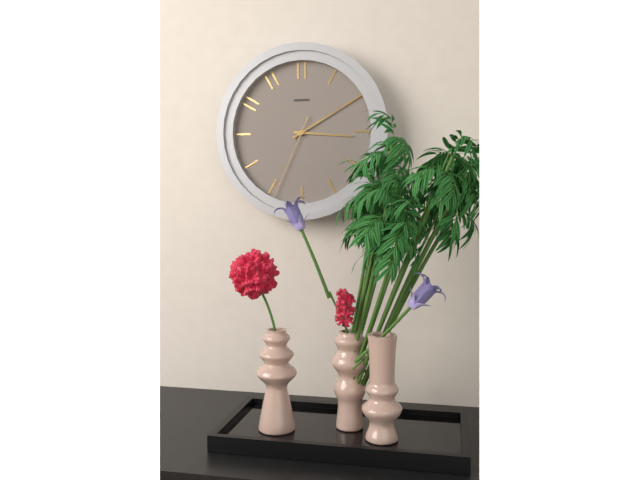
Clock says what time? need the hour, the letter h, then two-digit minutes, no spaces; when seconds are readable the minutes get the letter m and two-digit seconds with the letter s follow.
3h10m34s
